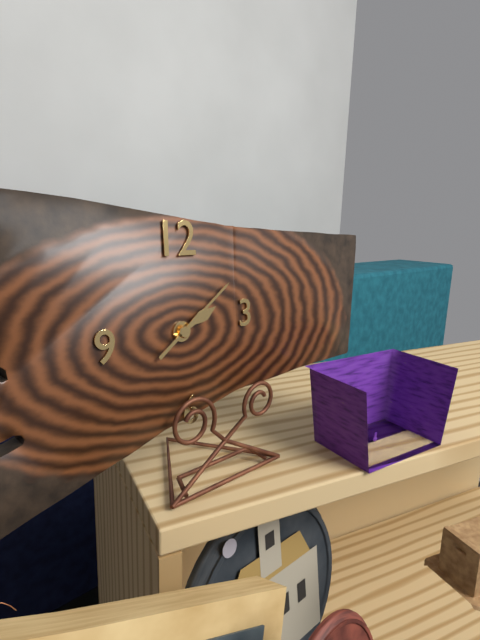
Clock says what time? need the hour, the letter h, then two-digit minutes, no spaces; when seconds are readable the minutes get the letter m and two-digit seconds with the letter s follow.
2h09
